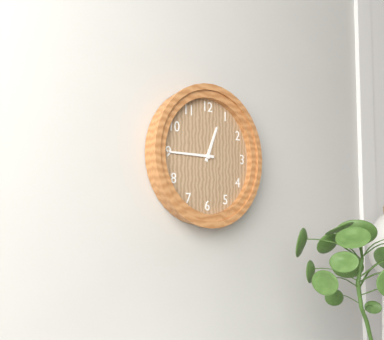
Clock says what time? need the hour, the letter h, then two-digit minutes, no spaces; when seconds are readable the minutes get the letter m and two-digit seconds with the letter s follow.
12h45
